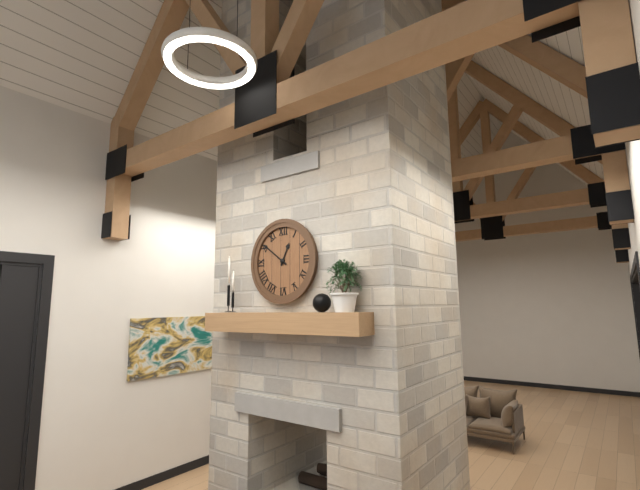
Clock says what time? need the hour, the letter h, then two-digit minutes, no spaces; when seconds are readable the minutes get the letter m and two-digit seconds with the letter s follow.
12h51
